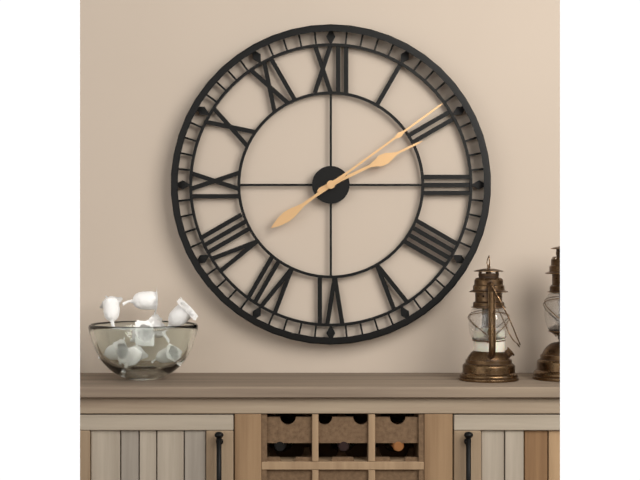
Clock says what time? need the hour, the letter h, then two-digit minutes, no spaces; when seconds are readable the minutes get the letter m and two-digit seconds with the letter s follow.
2h09
